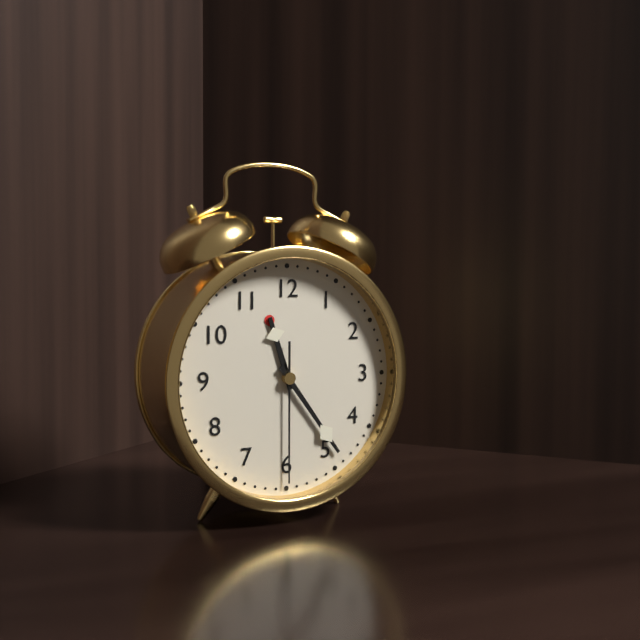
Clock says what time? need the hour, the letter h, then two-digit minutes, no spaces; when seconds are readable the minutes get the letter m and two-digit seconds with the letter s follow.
11h24m30s
